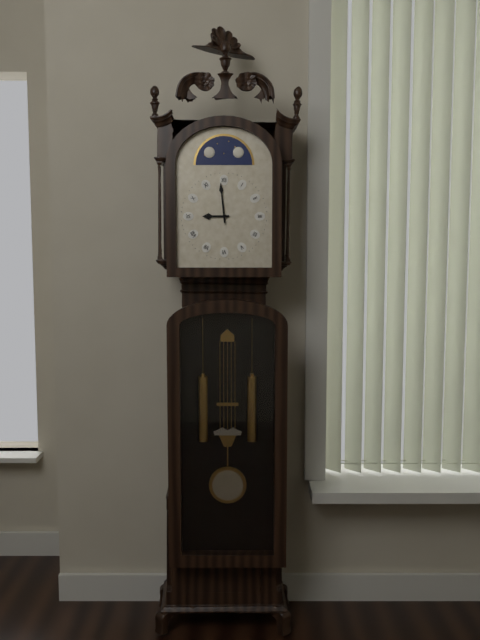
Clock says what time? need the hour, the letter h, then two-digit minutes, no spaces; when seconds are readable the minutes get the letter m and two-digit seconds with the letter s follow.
8h59
